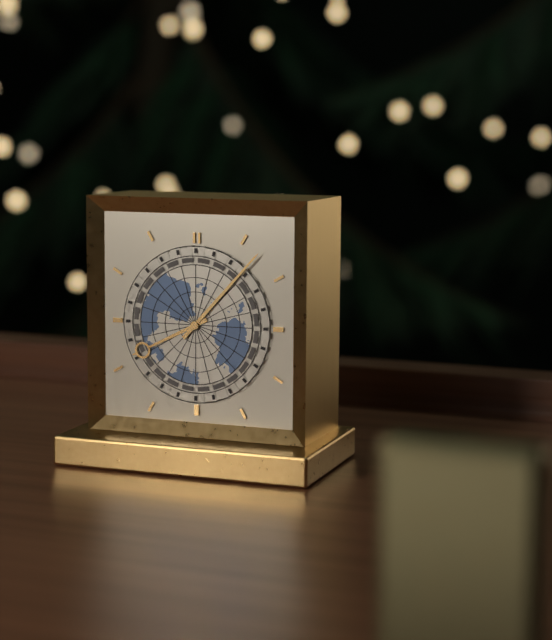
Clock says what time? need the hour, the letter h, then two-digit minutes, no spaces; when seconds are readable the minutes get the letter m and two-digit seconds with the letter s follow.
8h07
